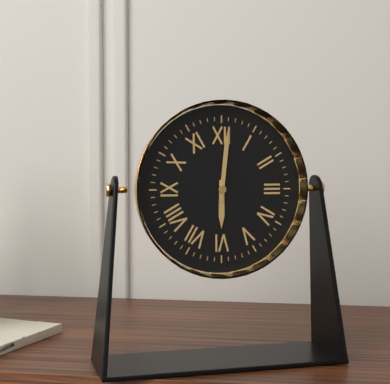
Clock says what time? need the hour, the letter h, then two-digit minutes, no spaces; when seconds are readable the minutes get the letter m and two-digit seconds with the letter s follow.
6h01
